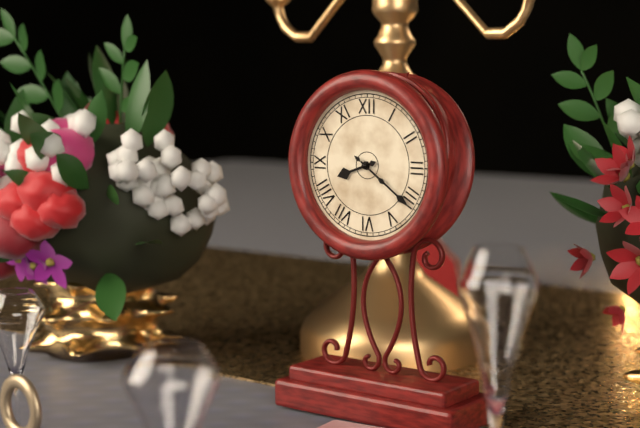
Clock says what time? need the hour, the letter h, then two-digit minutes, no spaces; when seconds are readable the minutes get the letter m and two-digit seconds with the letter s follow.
8h21
